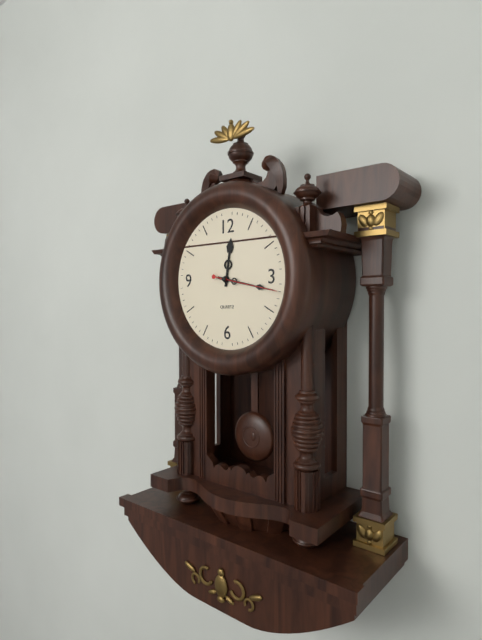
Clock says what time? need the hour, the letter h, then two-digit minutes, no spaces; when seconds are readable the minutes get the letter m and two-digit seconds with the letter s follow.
12h17m17s
